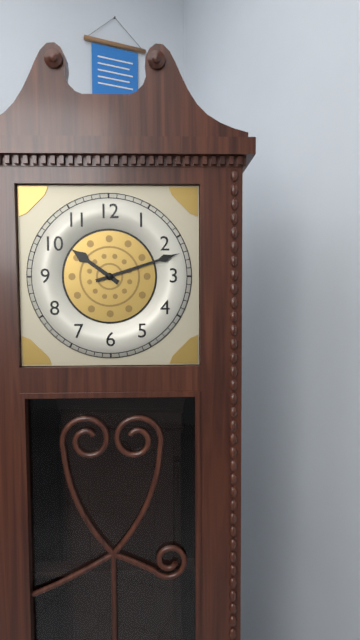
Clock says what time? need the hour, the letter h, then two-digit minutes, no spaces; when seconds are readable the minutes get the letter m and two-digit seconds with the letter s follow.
10h12
